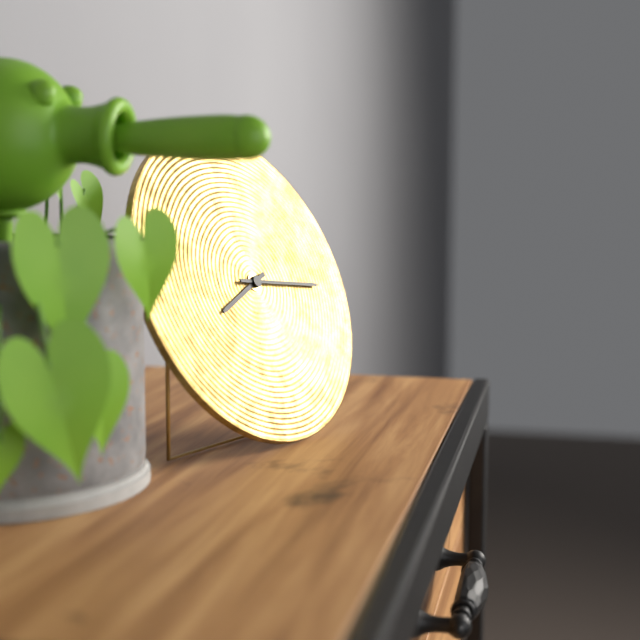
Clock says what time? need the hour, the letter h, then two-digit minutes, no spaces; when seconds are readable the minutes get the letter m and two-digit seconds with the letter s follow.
8h16
